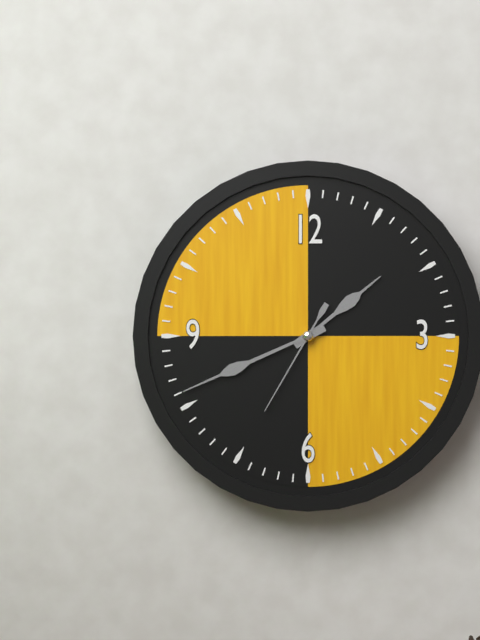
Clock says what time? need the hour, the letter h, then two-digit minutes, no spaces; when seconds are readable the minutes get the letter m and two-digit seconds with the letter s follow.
1h41m35s
